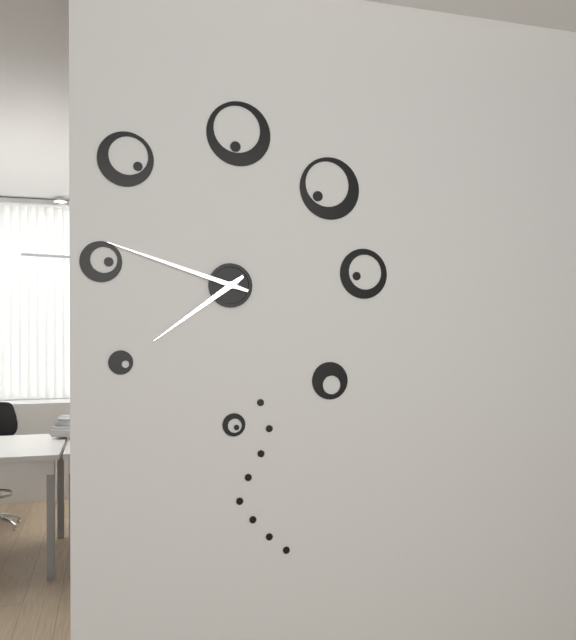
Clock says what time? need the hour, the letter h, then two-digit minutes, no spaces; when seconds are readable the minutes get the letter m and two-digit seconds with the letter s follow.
7h48
